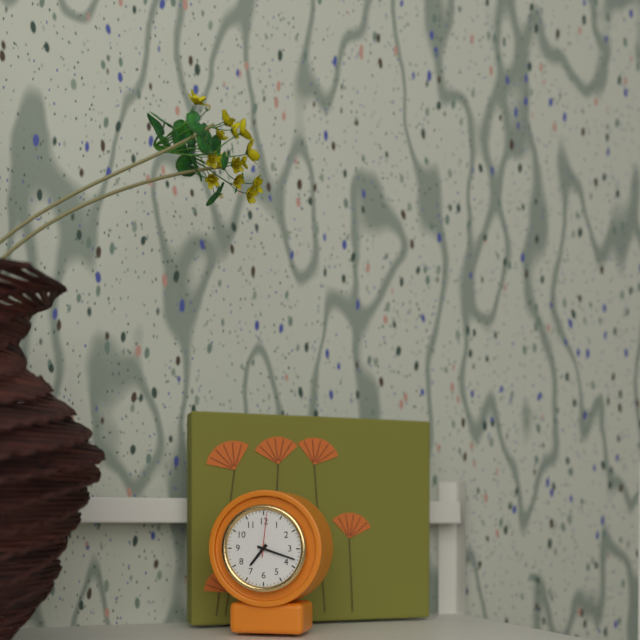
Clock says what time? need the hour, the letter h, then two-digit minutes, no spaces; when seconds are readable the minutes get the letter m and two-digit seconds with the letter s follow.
7h18
